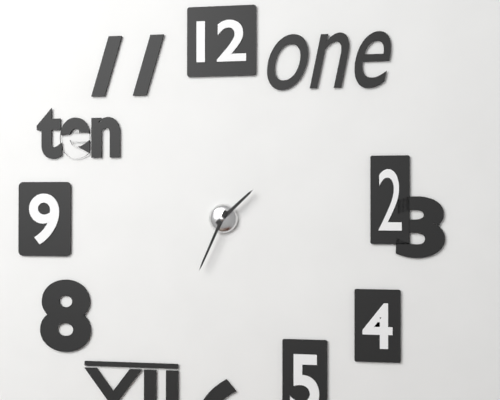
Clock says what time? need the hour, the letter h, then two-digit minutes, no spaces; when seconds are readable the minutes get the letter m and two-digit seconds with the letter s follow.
1h34
